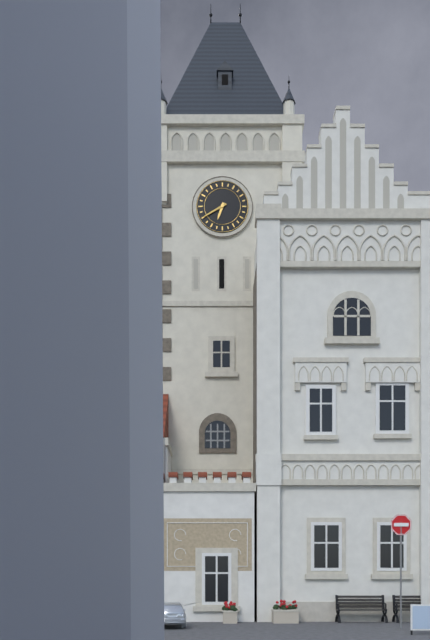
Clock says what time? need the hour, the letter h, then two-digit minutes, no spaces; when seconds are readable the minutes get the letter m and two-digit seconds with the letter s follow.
6h40
